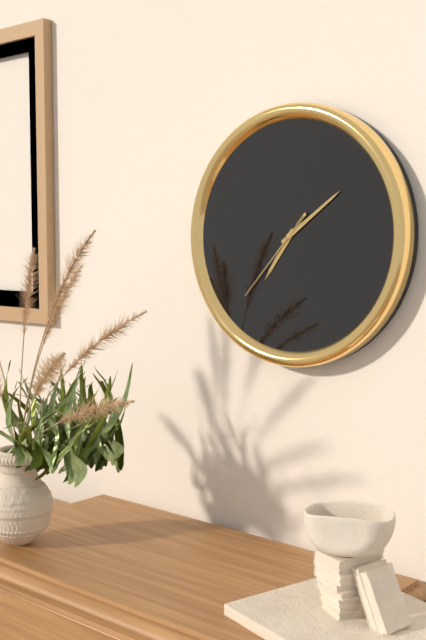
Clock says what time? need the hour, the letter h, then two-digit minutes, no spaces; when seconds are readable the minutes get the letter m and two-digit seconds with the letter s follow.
7h09m37s
